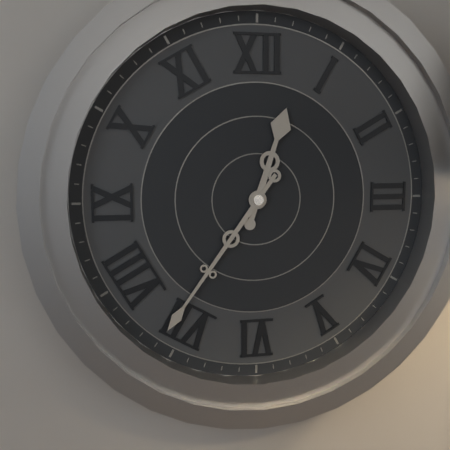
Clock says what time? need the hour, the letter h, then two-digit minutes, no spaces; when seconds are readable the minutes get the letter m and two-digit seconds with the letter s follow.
12h36
